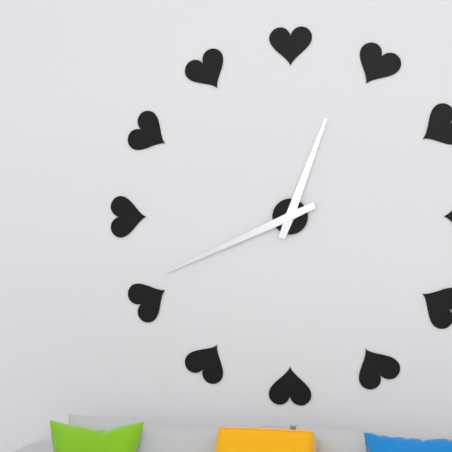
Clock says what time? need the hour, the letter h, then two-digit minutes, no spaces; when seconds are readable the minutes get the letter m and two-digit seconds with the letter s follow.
12h41
